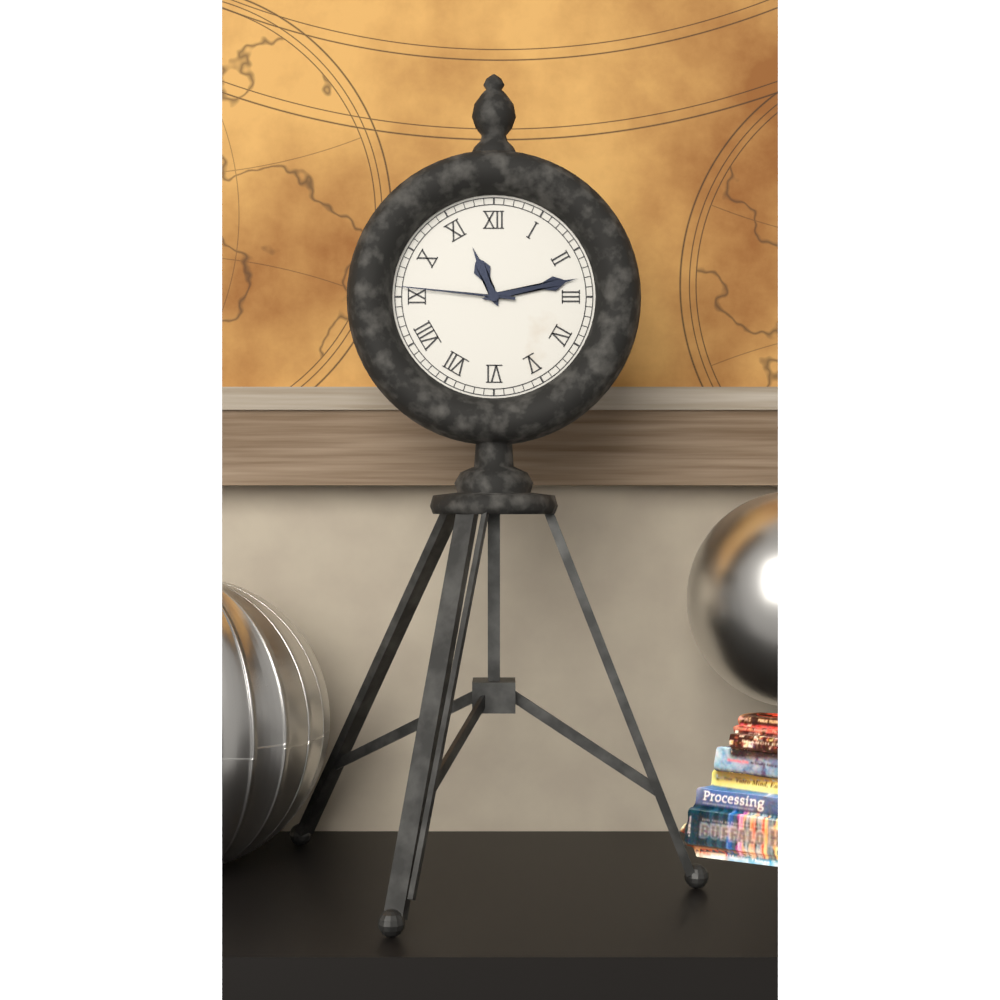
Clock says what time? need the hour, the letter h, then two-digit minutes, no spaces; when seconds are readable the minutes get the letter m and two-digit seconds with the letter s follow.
11h13m46s
